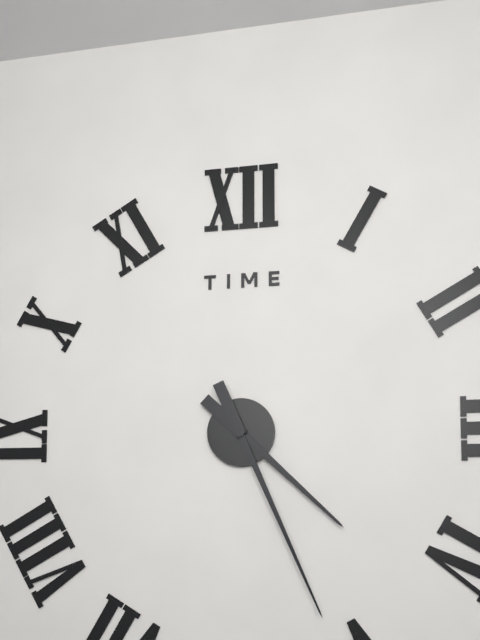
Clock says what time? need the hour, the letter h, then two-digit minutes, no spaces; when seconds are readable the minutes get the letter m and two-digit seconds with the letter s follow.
4h26
